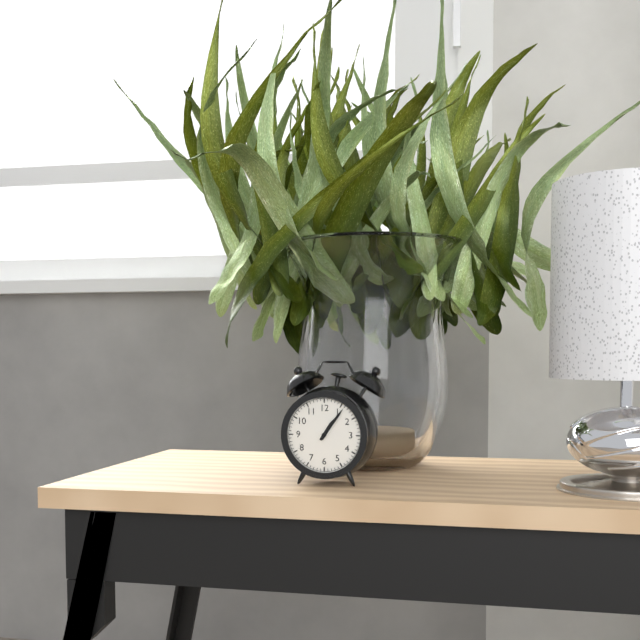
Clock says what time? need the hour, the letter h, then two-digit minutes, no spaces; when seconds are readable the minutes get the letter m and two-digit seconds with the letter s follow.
1h06
